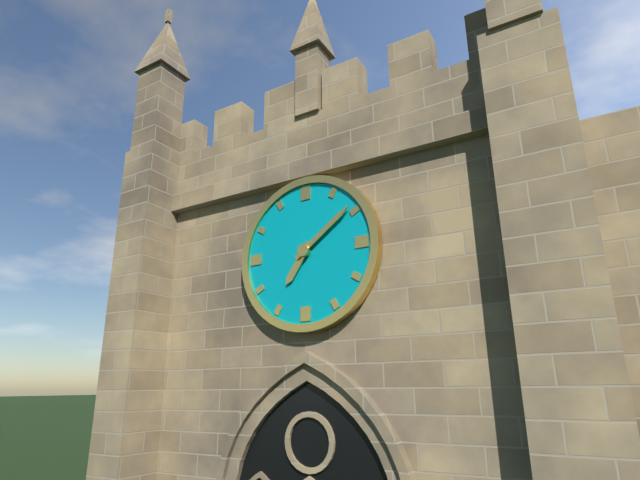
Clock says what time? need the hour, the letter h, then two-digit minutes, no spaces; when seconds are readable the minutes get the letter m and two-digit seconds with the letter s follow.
7h09
